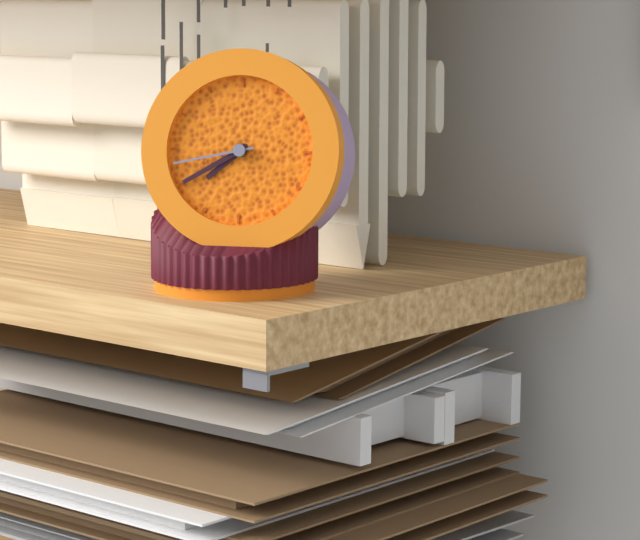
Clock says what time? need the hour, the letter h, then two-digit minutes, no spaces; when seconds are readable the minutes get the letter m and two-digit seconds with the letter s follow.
7h40m43s
